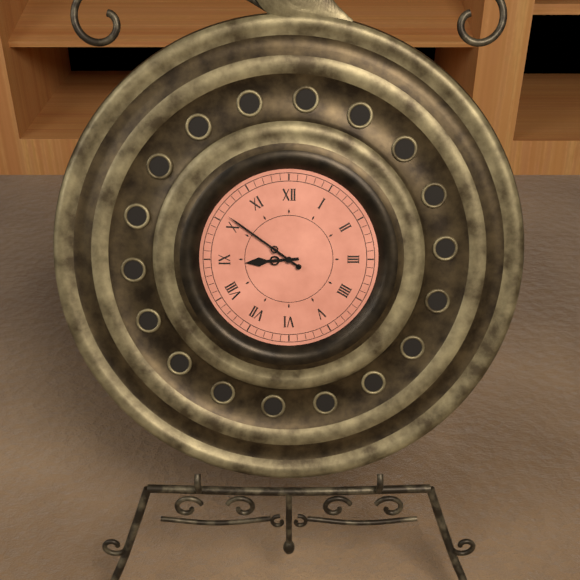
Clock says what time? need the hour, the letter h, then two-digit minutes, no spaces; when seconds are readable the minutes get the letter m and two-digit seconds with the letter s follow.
8h51
